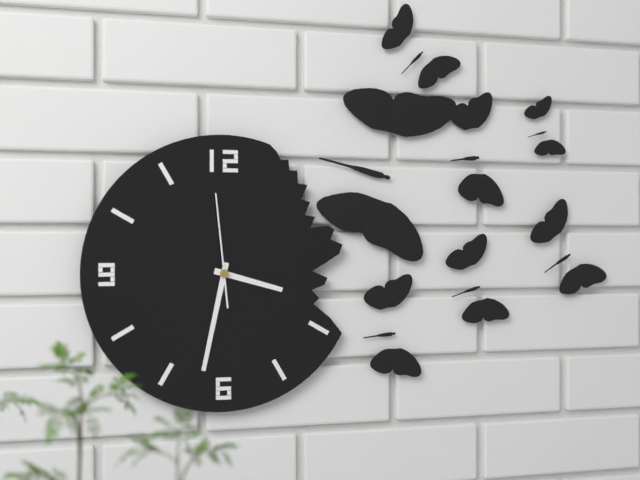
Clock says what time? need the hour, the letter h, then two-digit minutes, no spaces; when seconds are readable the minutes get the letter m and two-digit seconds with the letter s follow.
3h32m59s
